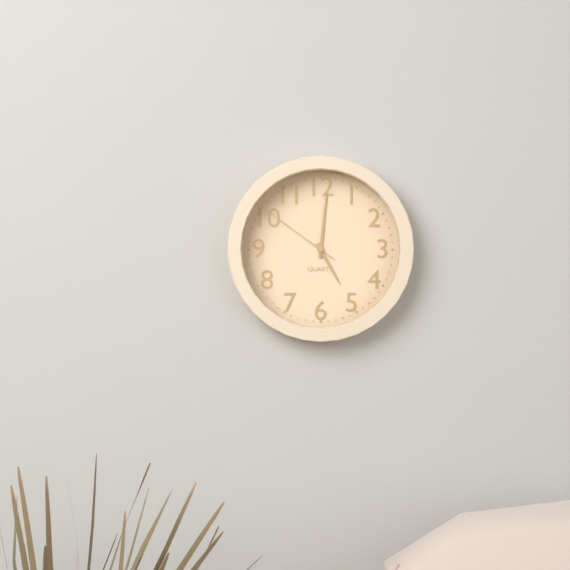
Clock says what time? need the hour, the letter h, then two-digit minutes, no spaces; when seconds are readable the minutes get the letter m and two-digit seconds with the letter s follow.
5h01m51s
